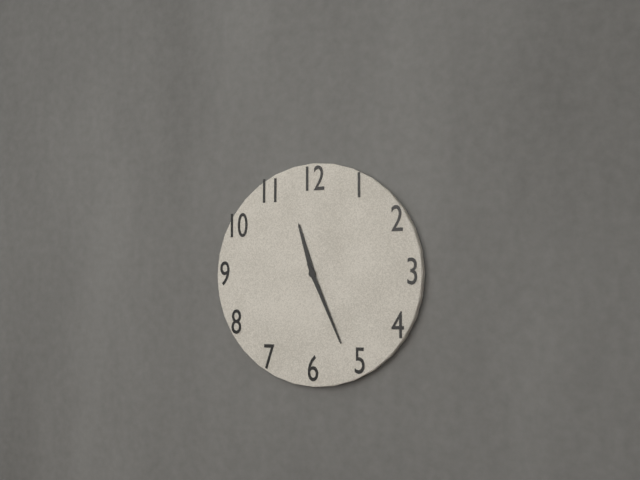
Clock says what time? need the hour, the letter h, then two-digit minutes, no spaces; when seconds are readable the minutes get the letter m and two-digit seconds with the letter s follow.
11h26
